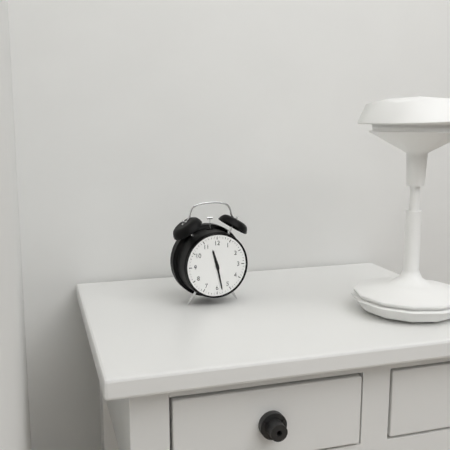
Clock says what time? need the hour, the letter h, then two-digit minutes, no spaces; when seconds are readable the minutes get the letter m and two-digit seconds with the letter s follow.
11h28
